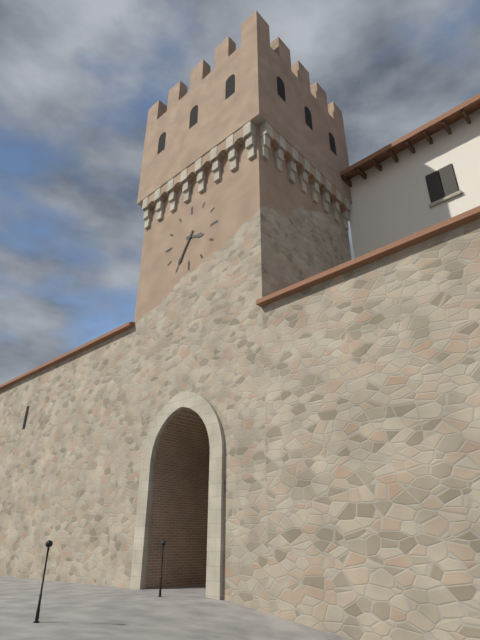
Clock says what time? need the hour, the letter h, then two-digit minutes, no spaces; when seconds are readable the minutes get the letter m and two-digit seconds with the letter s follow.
3h35
